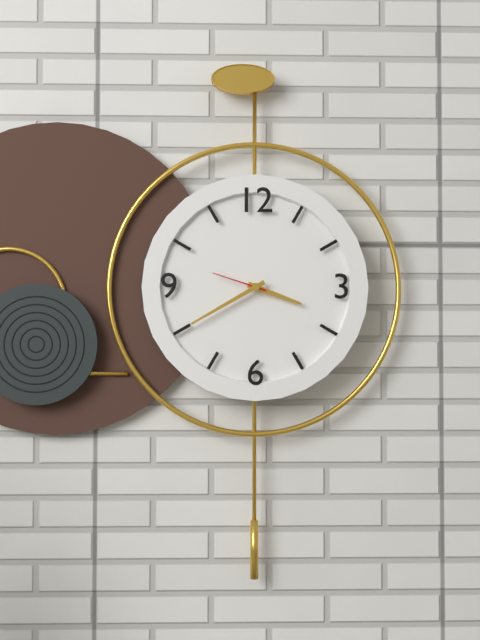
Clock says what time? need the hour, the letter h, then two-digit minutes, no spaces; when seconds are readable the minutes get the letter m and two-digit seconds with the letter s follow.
3h40m48s
